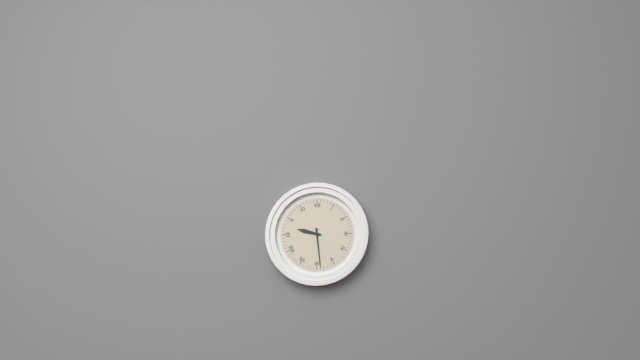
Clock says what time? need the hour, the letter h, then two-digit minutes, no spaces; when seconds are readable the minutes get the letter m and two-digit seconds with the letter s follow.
9h29
